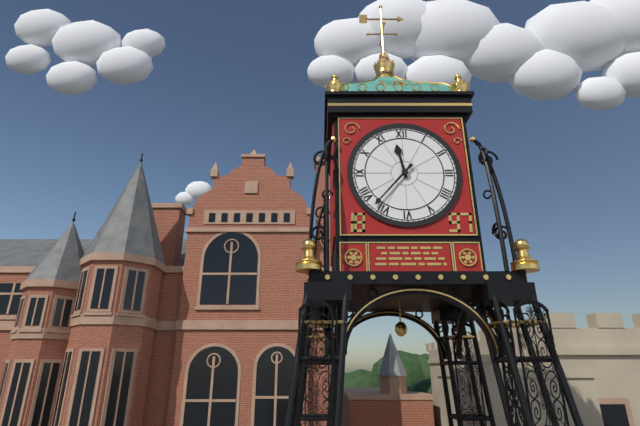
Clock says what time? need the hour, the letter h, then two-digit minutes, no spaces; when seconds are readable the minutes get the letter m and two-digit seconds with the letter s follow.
11h37
